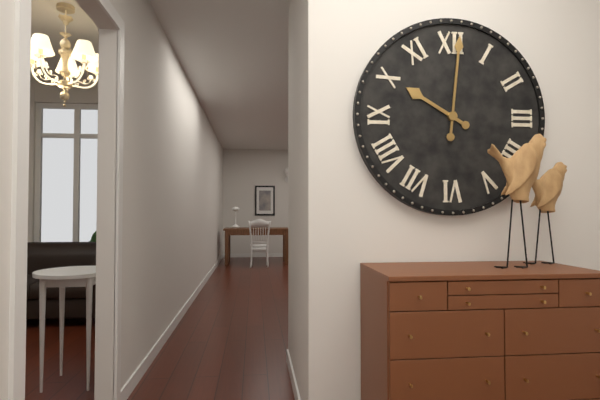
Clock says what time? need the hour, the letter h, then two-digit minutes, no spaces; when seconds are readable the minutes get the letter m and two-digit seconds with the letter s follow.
10h01
